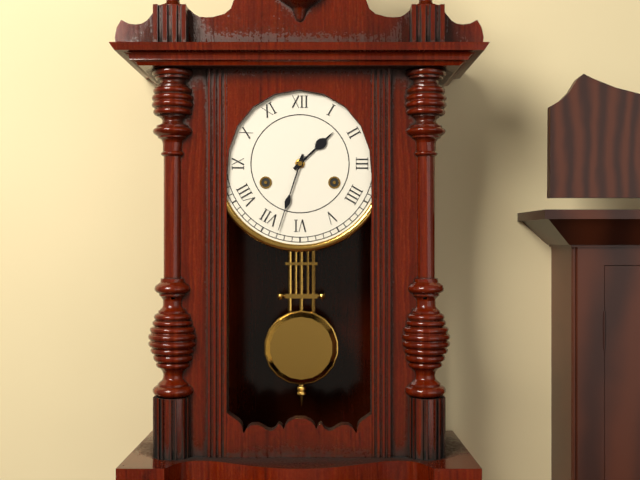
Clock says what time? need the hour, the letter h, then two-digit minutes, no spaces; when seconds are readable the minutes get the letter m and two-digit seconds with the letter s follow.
1h33
